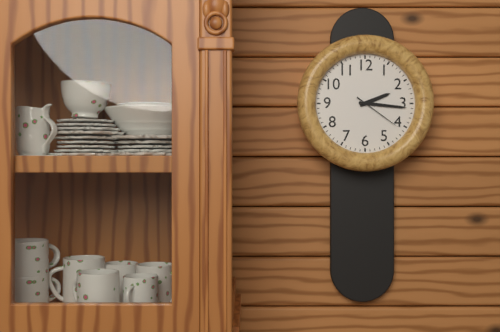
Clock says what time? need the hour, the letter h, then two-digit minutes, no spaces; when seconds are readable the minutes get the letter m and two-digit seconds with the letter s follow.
2h16m21s
